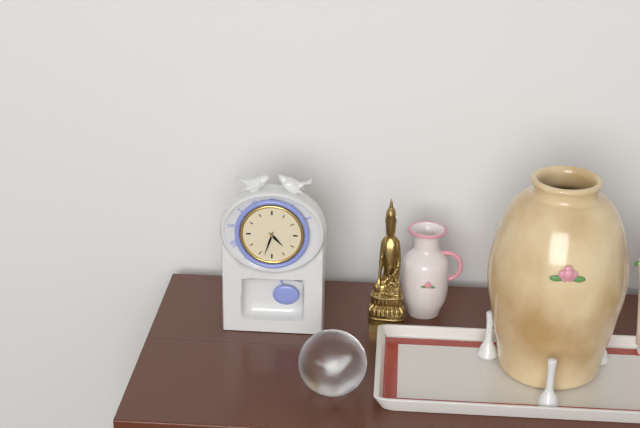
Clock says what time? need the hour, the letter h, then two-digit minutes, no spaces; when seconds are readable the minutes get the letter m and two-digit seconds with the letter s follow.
4h33
